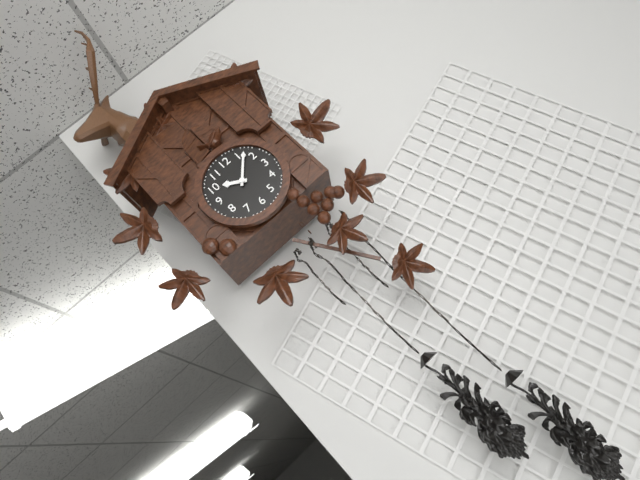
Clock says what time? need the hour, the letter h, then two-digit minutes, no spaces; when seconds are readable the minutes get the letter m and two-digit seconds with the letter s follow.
10h07
